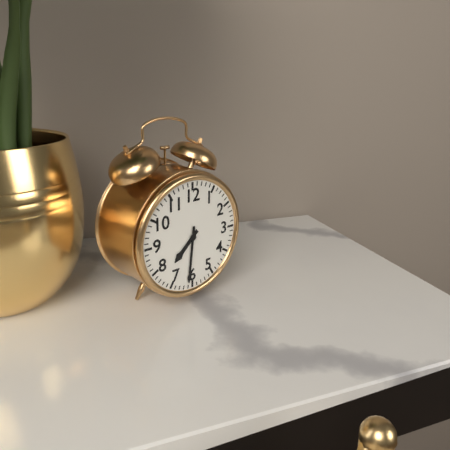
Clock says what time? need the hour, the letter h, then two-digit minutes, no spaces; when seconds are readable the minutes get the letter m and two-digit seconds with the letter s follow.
7h31
